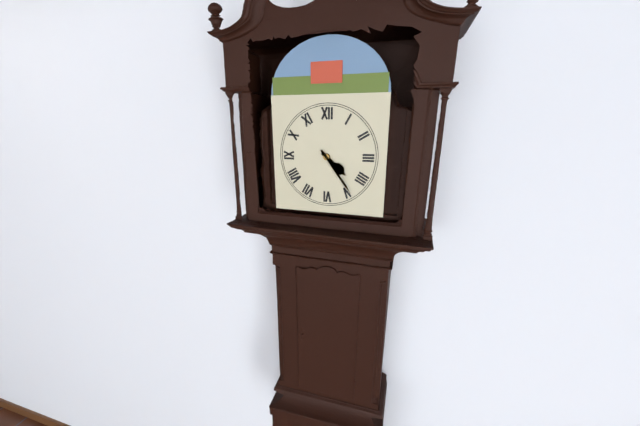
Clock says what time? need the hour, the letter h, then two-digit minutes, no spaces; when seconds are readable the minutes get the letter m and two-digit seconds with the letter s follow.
4h24
